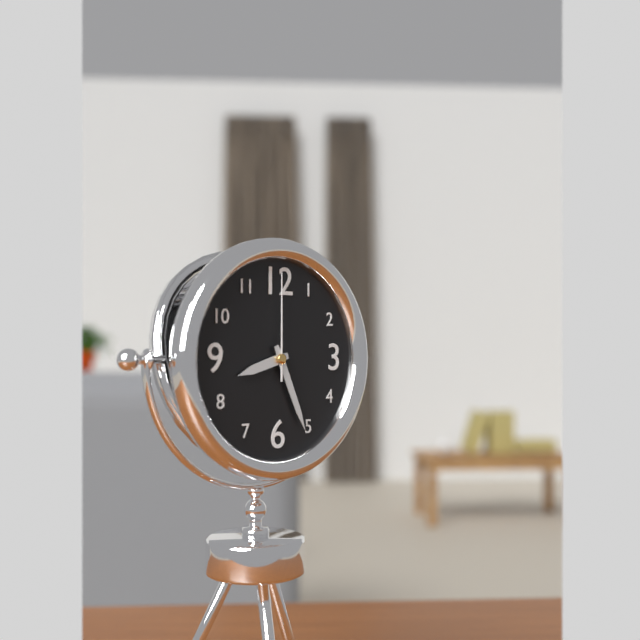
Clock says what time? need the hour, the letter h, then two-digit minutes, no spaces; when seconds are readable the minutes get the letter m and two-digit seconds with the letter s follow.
8h26m00s
